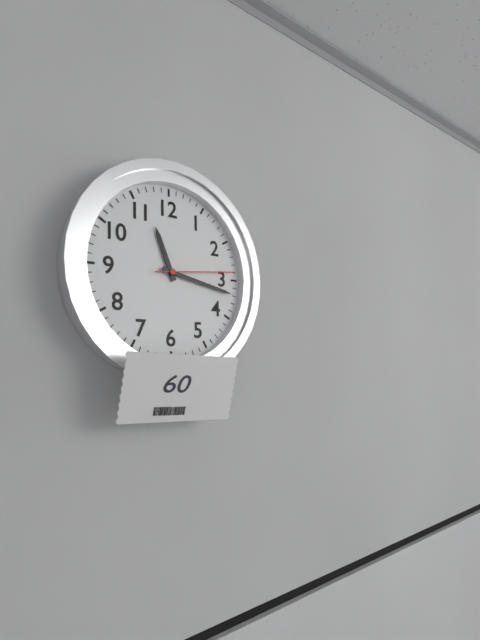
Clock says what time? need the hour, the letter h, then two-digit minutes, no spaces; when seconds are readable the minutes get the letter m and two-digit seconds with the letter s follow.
11h17m14s
